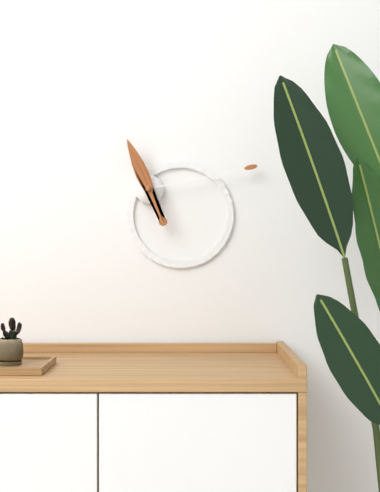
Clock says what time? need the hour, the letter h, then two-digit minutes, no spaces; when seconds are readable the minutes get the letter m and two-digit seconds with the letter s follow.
11h13
